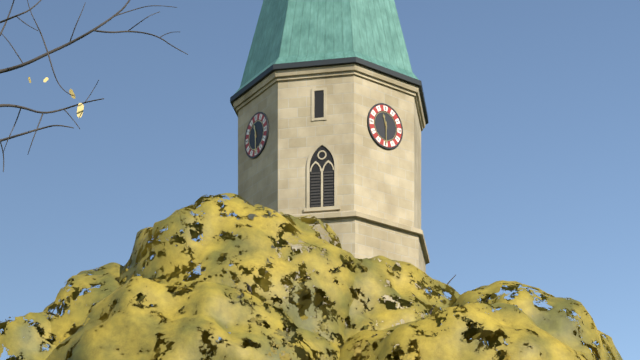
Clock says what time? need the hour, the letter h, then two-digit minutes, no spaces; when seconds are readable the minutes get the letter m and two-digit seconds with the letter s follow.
11h30
